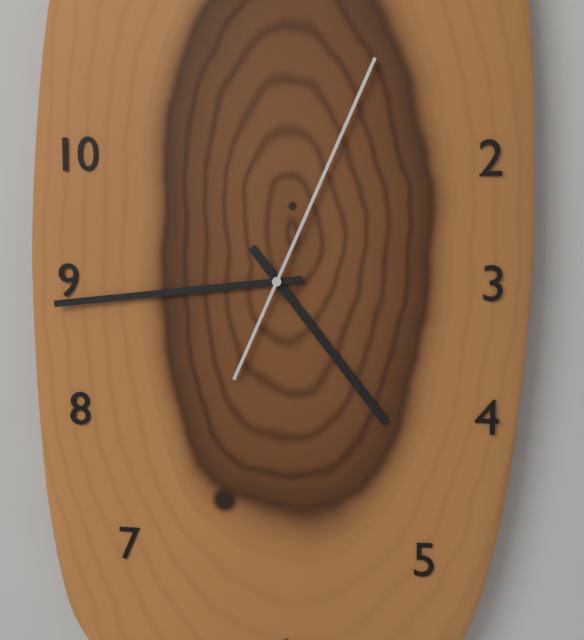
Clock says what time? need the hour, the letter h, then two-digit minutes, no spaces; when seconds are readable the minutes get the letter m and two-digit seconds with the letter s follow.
4h44m04s
